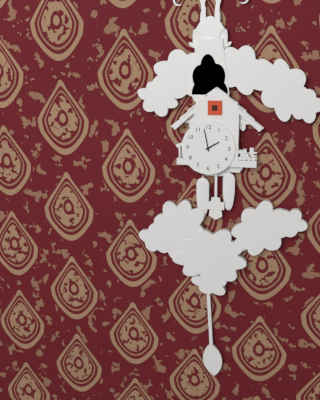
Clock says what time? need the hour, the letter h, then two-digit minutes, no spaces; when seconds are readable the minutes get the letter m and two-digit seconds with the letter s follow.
1h58
